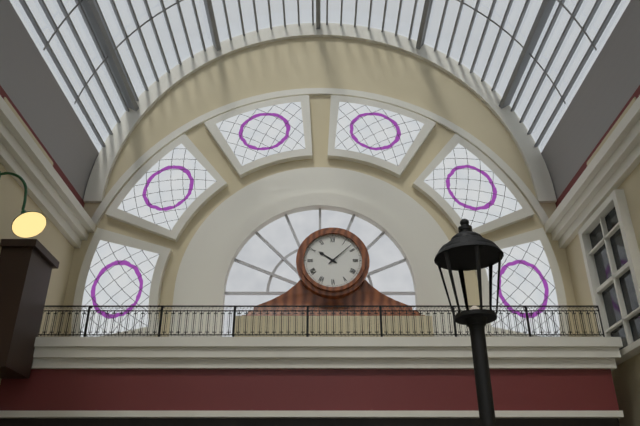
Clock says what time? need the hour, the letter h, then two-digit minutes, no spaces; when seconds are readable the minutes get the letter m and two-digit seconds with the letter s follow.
10h08
